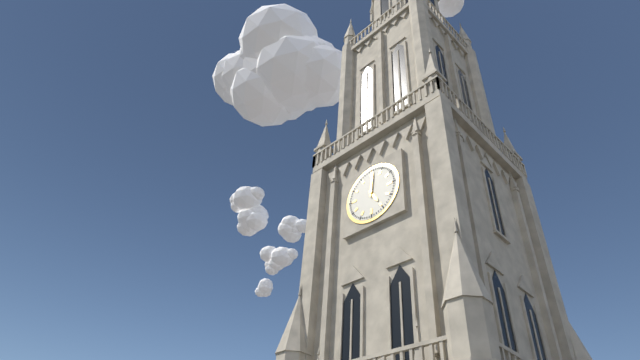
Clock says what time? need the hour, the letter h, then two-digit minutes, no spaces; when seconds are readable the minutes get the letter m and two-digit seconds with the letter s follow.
5h01
